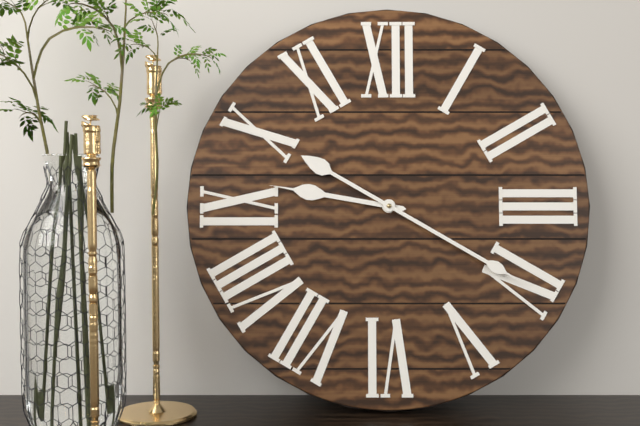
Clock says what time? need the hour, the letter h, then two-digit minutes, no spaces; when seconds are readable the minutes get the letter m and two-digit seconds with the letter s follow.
9h20
